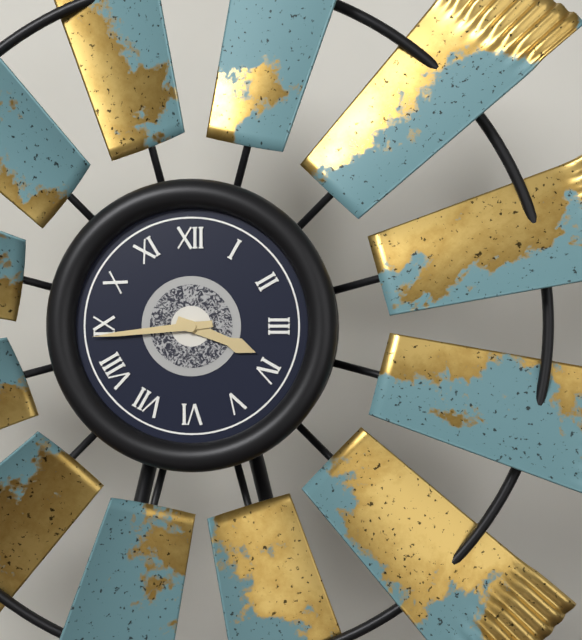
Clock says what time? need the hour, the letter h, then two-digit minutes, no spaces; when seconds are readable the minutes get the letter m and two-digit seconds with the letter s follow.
3h44
